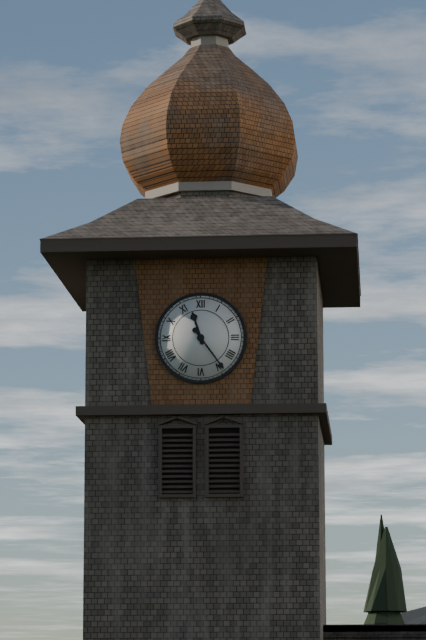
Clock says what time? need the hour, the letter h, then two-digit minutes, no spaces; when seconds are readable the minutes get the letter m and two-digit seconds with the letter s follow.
11h24
